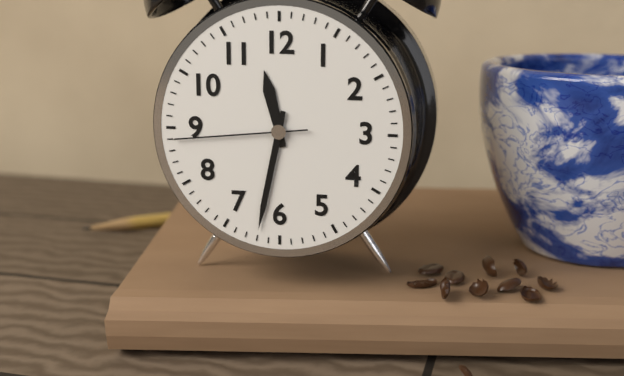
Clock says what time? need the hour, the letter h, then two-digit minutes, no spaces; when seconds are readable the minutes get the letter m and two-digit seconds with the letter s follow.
11h32m44s
